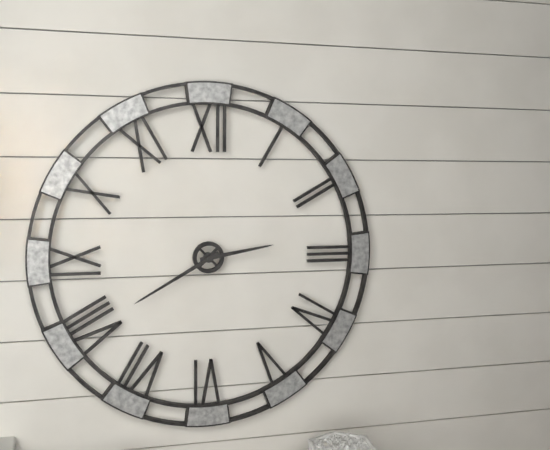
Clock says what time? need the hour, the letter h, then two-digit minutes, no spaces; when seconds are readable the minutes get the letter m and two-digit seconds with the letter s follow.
2h40
